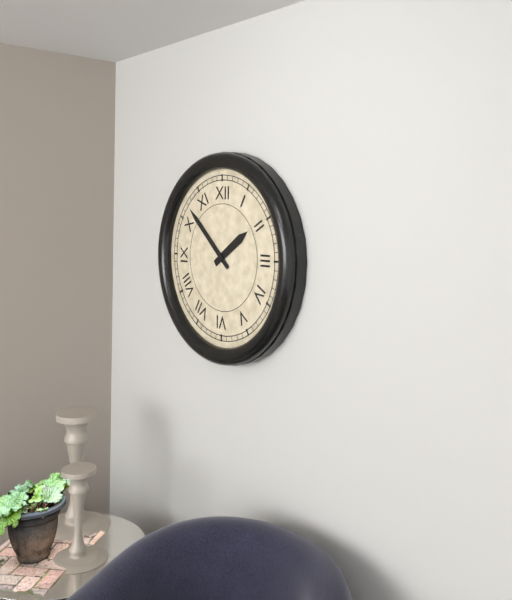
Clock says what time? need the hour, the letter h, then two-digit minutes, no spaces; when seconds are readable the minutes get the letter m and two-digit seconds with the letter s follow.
1h52
